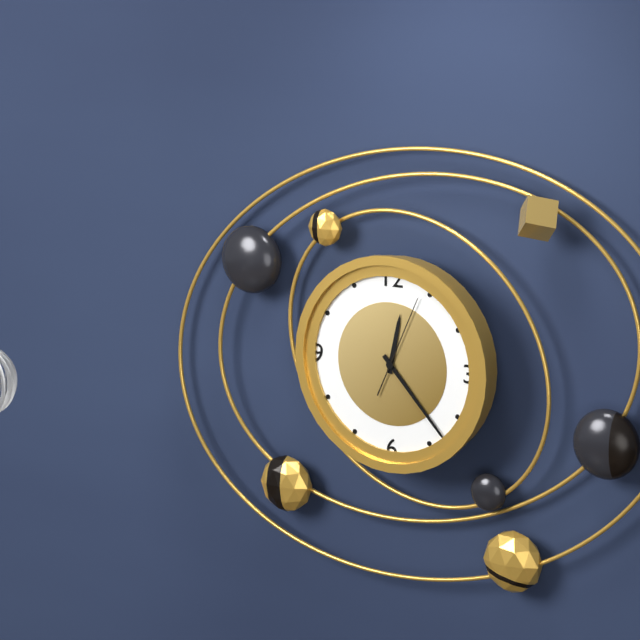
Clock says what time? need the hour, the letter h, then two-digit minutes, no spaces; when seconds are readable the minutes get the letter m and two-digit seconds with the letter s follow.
12h23m04s
